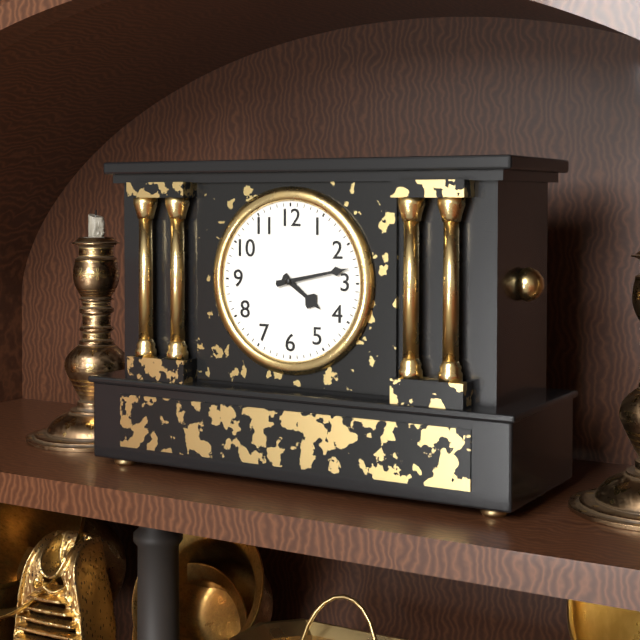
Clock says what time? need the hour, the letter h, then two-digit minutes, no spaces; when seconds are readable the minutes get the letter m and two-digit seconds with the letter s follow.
4h13
